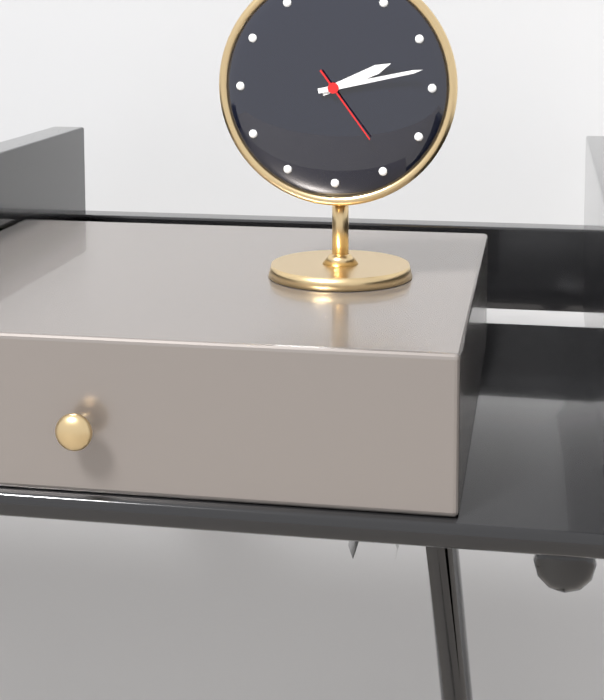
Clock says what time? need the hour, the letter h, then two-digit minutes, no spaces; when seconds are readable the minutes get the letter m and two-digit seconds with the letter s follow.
2h13m24s
